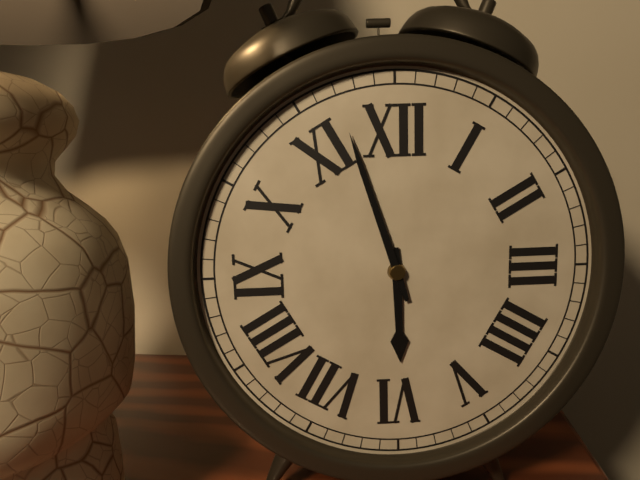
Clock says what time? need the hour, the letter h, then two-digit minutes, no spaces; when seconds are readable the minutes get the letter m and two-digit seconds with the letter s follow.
5h57
